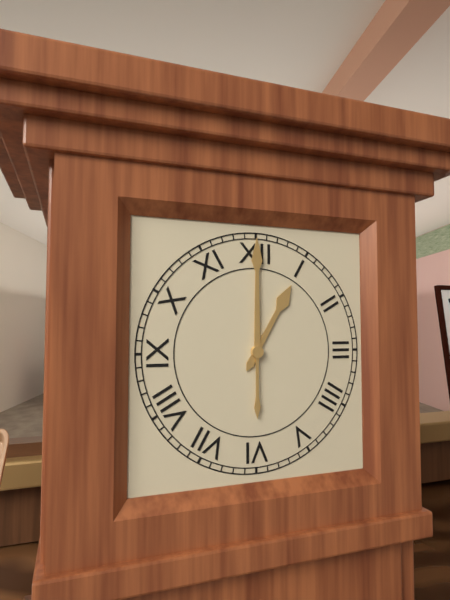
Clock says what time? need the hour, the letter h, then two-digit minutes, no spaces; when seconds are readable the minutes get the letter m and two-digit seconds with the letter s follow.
1h00
